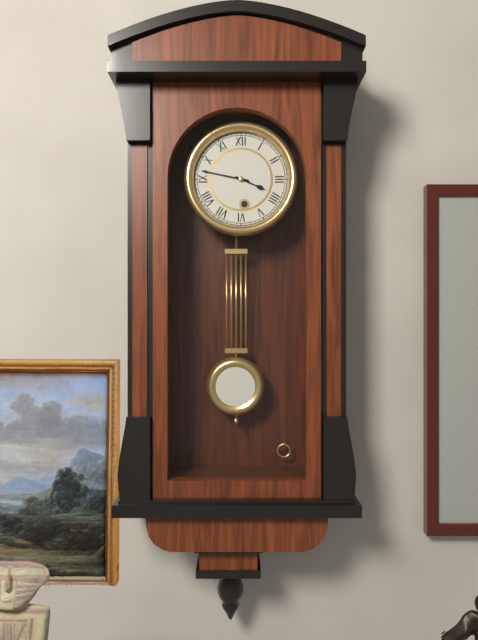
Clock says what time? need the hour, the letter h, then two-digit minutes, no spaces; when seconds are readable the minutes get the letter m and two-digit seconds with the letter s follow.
3h47
